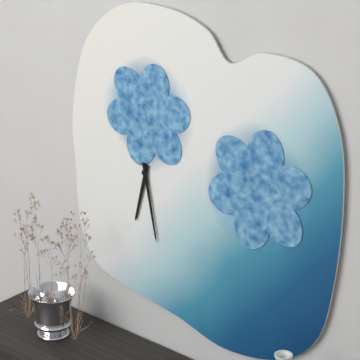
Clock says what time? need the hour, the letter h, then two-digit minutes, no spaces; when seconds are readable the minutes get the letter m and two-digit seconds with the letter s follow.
6h28
